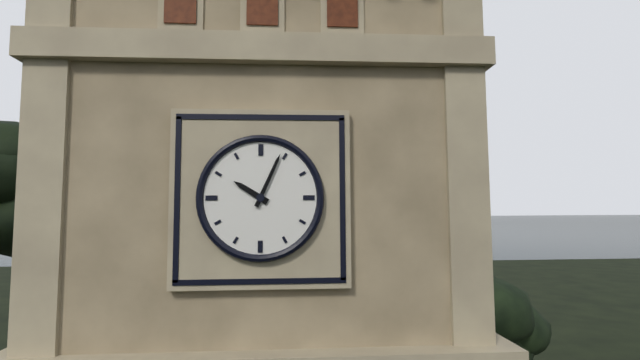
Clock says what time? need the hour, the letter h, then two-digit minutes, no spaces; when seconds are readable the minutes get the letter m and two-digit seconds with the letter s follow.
10h04
